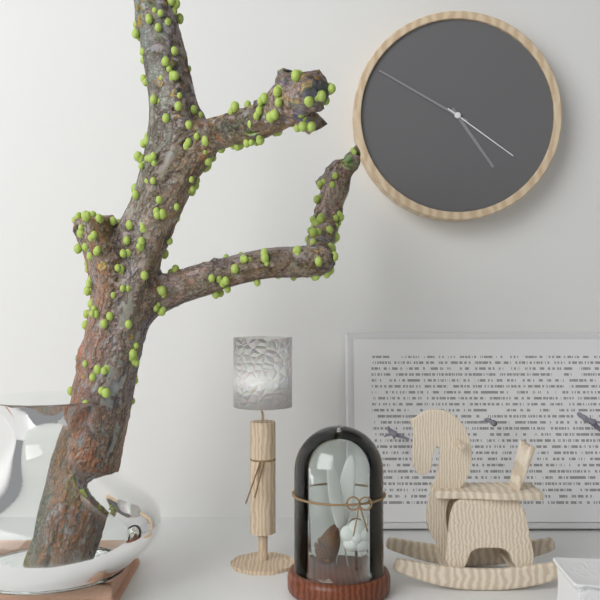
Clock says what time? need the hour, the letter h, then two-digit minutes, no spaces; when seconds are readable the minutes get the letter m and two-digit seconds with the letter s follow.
4h50m21s
